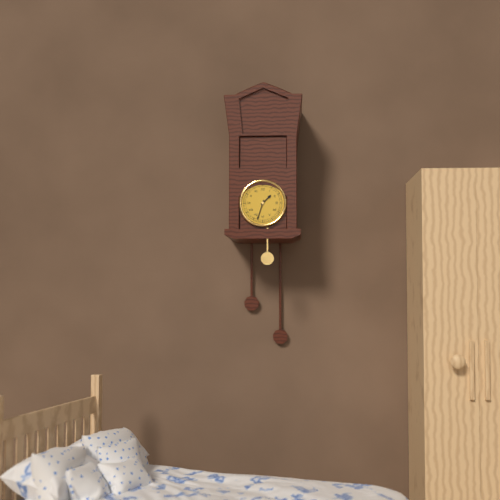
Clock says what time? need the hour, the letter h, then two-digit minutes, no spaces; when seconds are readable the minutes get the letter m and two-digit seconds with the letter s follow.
1h33
